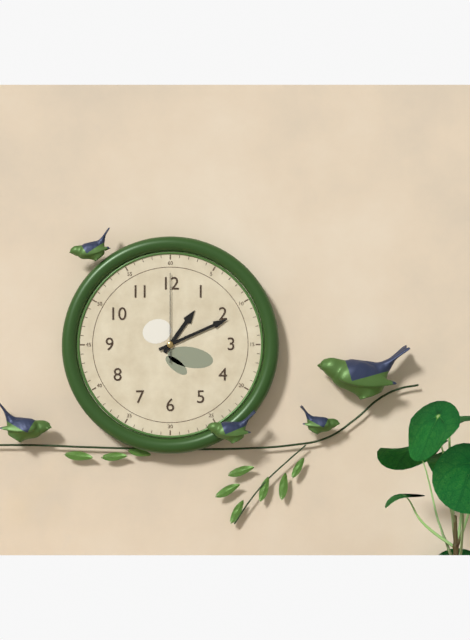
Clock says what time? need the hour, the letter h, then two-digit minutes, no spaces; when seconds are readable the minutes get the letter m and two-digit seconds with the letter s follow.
1h11m00s
